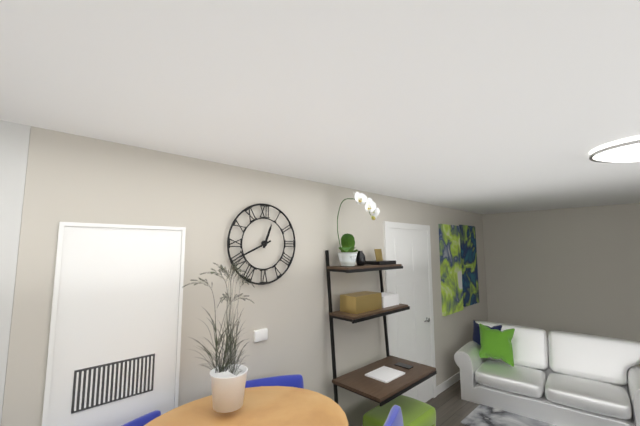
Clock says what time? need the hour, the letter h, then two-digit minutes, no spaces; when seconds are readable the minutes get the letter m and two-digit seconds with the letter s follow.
12h41
